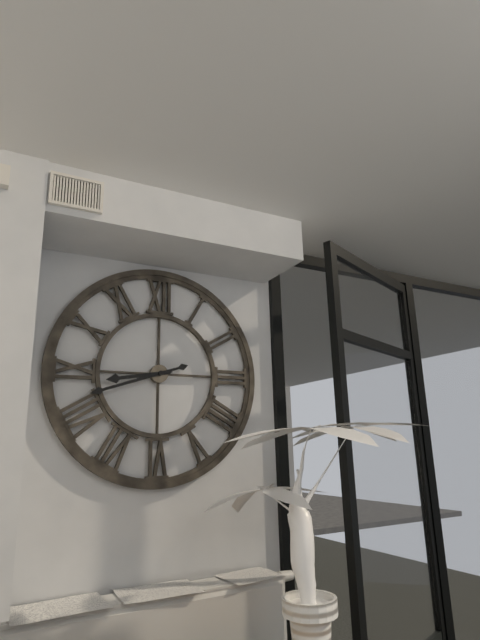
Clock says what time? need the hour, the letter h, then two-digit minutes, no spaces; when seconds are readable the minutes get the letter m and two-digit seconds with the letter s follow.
8h42
